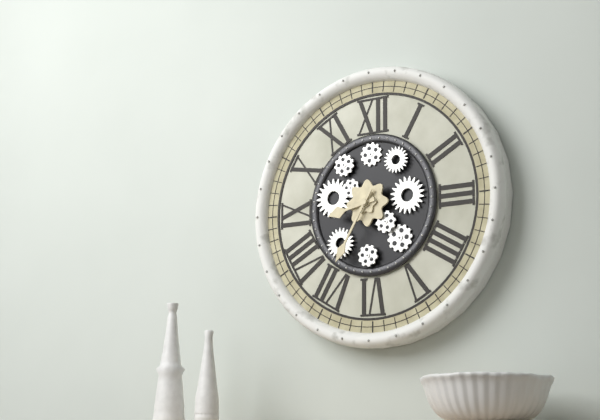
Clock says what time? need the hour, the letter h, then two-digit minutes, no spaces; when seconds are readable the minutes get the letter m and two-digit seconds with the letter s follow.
8h35
